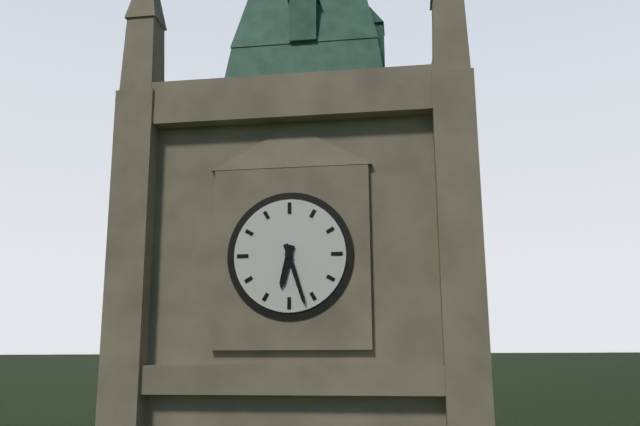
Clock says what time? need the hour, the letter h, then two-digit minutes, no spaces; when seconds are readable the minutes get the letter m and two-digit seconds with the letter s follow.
6h27
